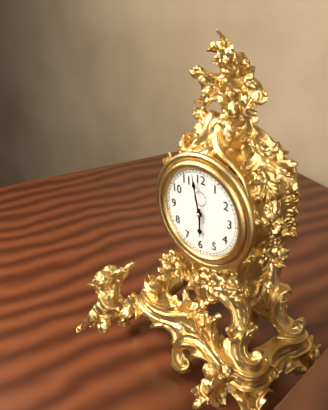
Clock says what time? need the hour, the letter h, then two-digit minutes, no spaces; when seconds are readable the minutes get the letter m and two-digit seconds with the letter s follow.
5h58
